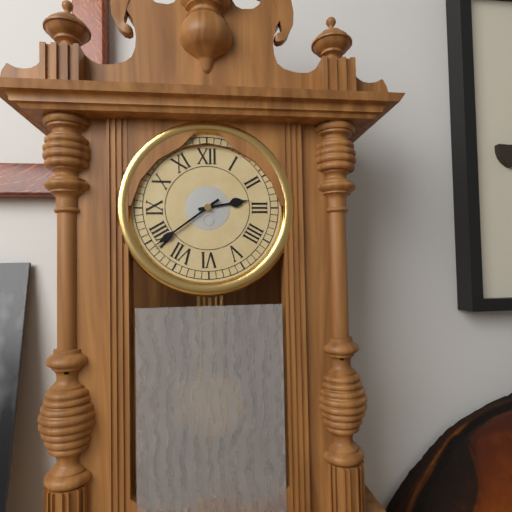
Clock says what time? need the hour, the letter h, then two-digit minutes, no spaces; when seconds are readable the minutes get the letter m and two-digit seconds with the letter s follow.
2h39
